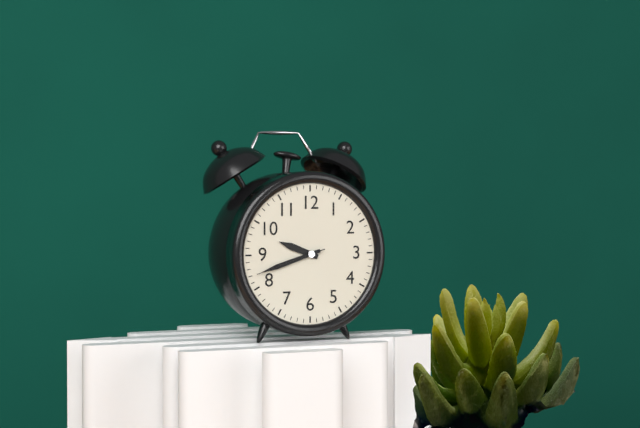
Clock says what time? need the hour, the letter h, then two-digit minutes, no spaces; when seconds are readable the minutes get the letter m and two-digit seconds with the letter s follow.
9h42m42s
